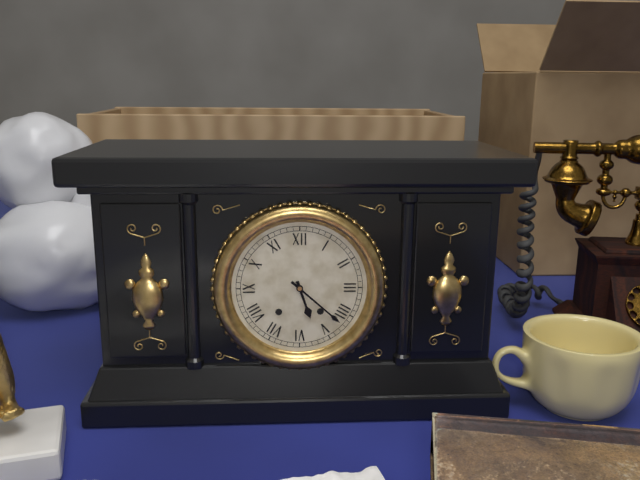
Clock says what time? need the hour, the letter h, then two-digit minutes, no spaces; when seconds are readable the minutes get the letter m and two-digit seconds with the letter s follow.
5h22
